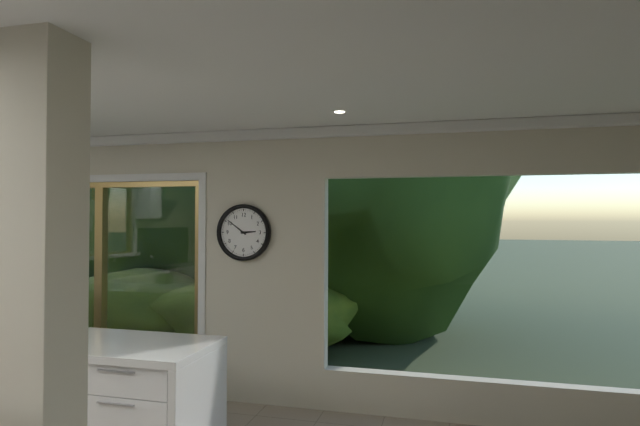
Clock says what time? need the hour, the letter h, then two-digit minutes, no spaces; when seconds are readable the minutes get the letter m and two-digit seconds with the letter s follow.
2h51
